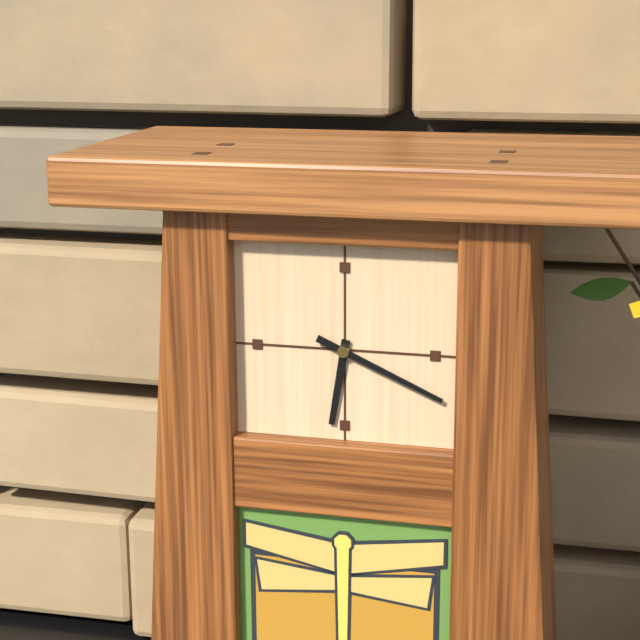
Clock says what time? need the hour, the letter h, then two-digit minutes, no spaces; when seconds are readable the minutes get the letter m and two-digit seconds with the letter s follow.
6h19
